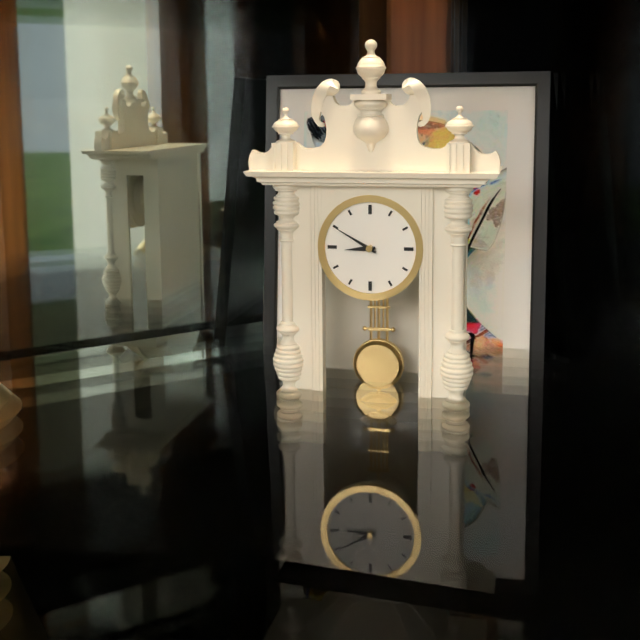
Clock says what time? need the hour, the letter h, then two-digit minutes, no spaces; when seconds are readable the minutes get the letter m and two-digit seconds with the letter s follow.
8h50
